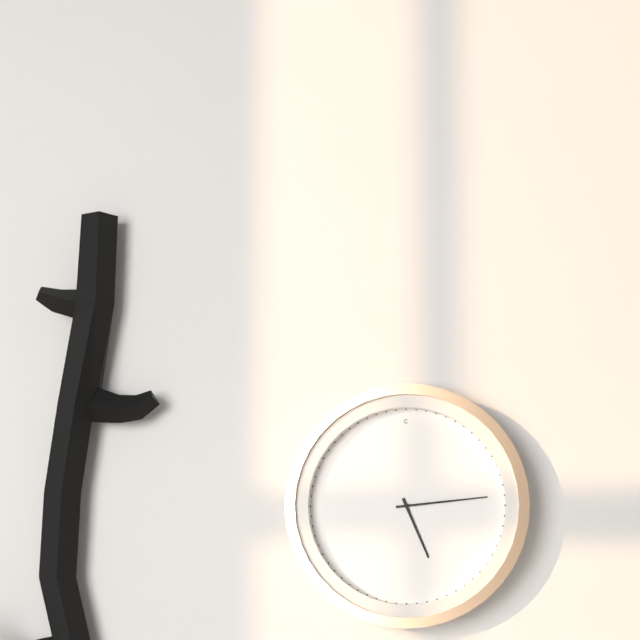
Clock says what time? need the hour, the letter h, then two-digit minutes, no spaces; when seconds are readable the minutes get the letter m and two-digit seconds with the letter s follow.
5h14
